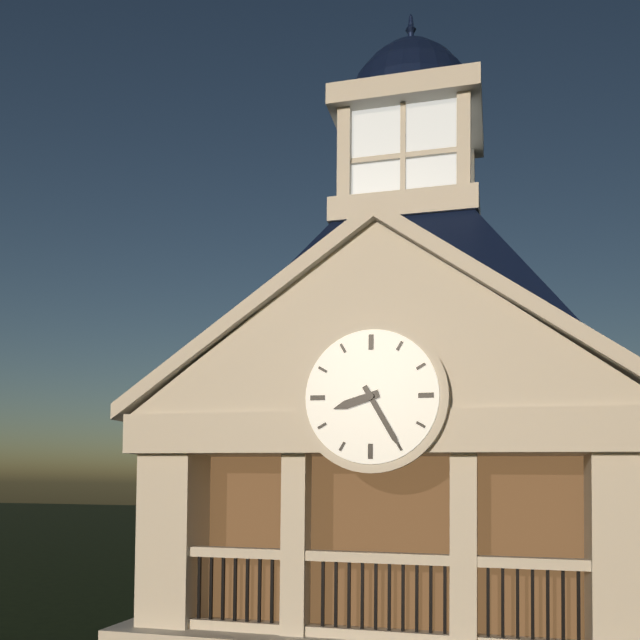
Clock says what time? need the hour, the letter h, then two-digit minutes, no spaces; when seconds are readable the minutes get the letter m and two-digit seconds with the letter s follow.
8h25
